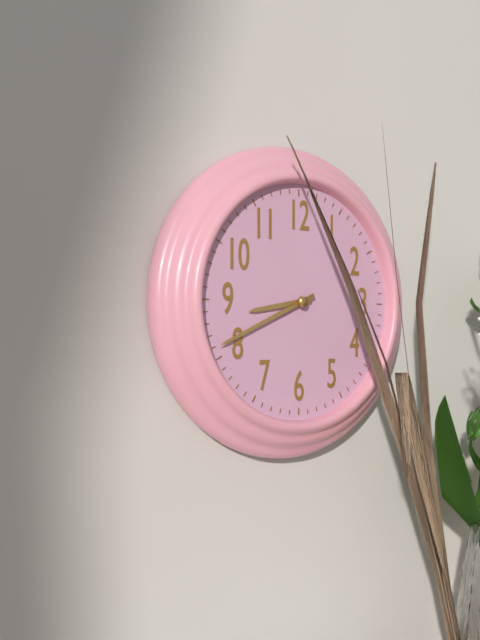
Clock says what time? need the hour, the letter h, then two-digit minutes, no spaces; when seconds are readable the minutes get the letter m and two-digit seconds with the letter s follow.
8h41
